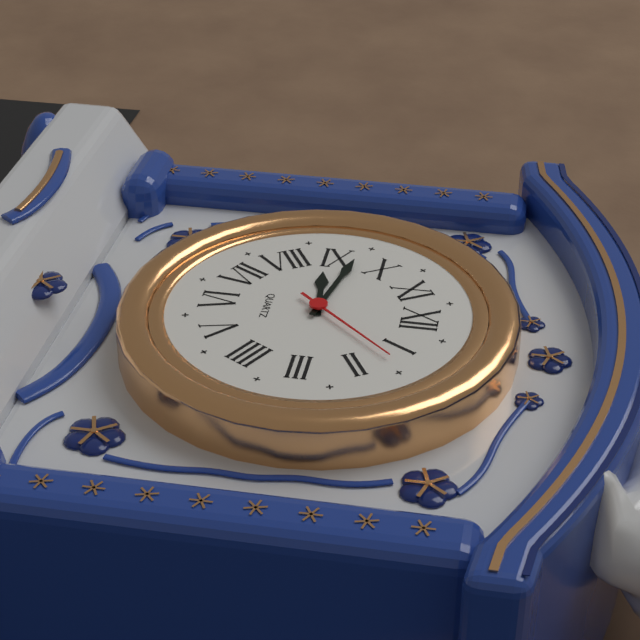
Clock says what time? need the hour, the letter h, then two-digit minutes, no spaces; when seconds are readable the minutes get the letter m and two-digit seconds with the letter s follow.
8h47m07s
